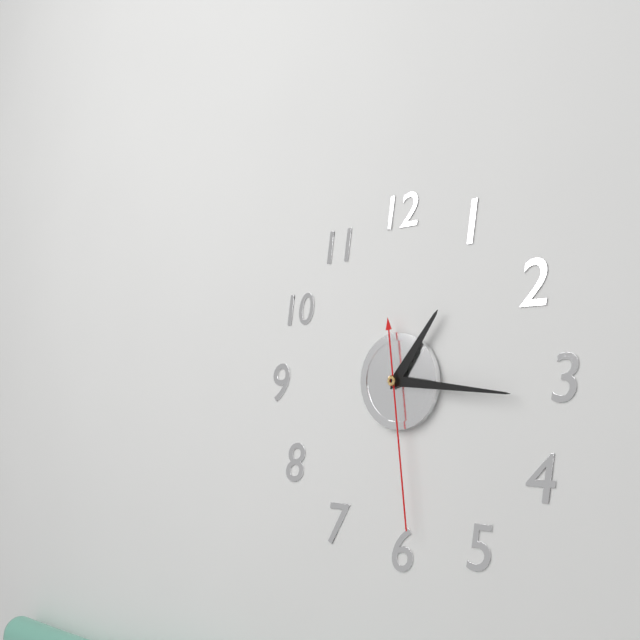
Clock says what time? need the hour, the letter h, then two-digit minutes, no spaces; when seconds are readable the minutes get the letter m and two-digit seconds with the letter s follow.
1h16m29s
